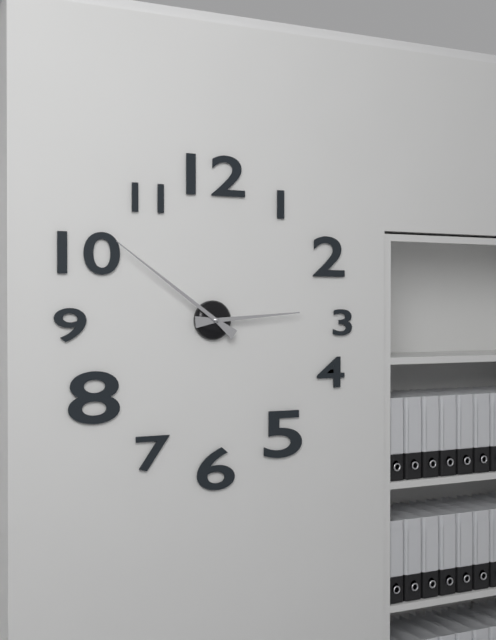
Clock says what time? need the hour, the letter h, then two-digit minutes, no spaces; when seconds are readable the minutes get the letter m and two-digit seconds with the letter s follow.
2h51
